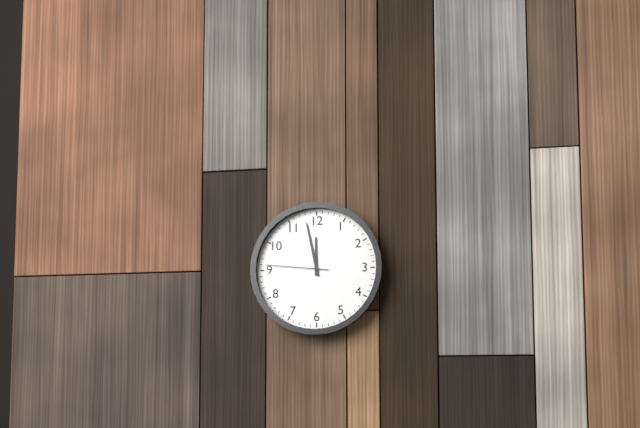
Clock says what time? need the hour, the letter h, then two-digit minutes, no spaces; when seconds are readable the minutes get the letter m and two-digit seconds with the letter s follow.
11h58m46s
